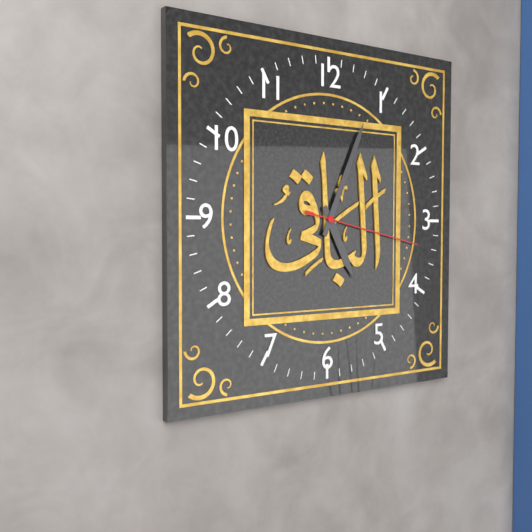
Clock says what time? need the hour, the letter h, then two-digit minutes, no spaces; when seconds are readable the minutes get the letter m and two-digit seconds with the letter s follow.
5h04m17s
